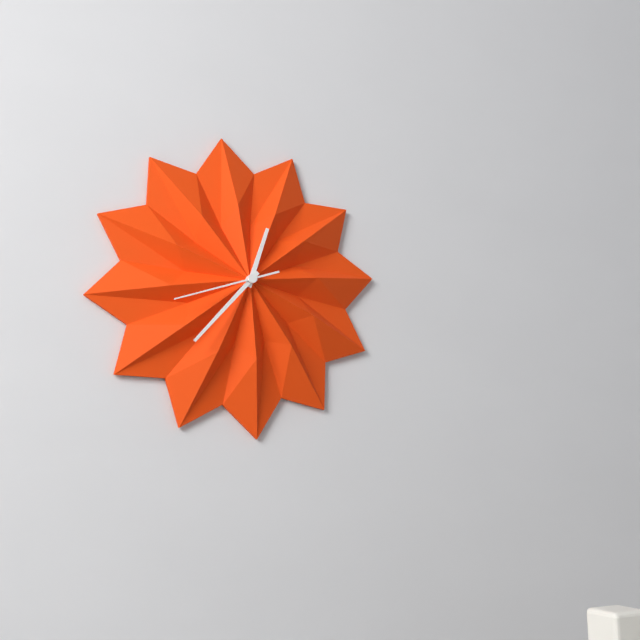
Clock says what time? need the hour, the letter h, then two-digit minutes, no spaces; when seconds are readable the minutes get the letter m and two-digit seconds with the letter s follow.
12h37m42s
